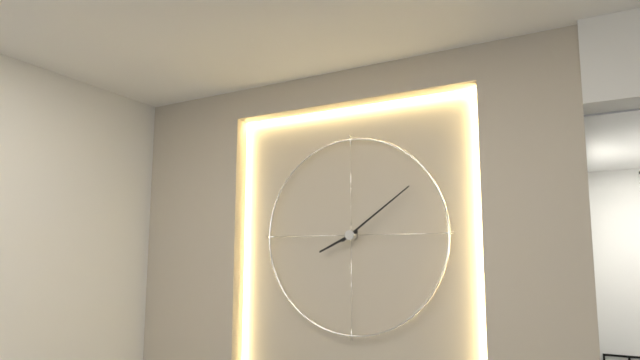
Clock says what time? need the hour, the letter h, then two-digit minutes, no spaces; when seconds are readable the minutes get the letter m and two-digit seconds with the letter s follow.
8h09
